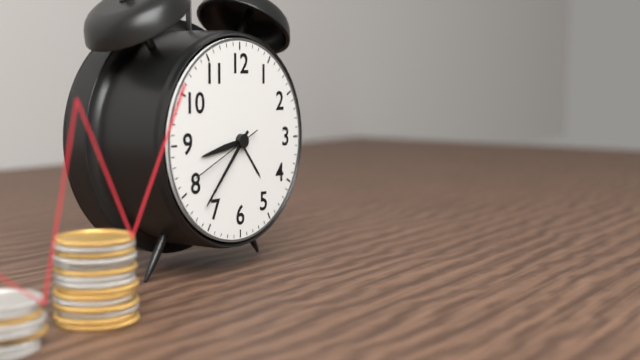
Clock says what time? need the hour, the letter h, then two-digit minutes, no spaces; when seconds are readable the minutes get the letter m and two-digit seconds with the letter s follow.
8h37m41s
